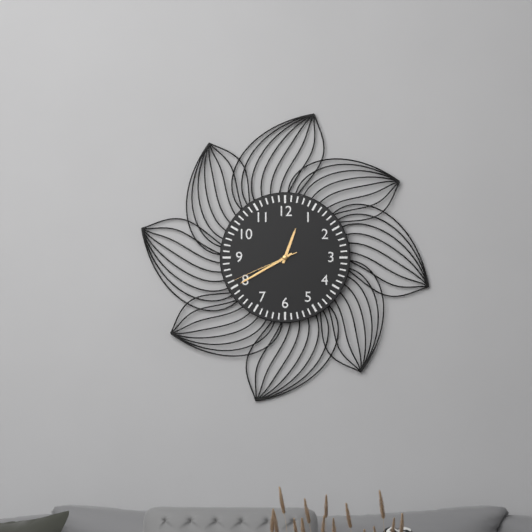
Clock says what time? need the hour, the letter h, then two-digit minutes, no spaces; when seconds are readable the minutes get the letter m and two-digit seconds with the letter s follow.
12h40m41s
